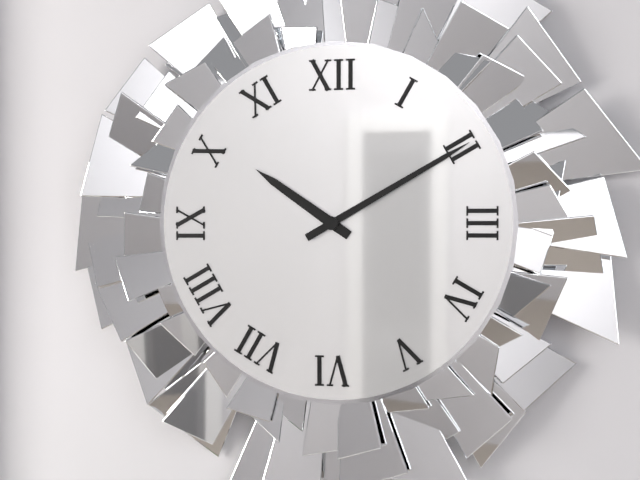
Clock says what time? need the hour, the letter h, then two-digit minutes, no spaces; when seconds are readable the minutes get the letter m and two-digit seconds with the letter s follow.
10h10
